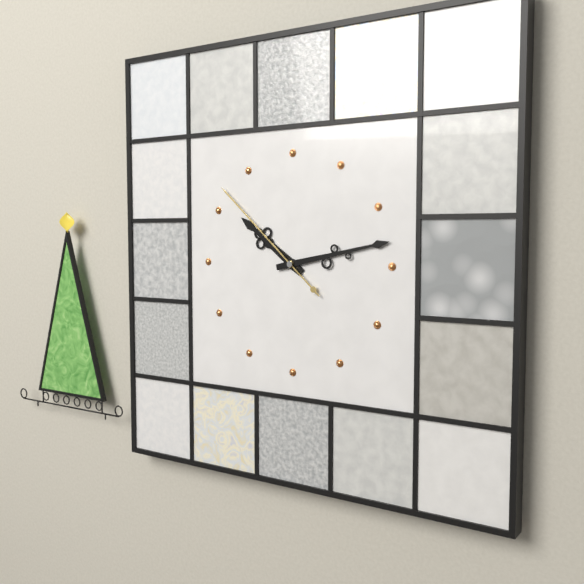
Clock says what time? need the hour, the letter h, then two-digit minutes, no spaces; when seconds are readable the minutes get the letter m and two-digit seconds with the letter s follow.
10h13m52s
